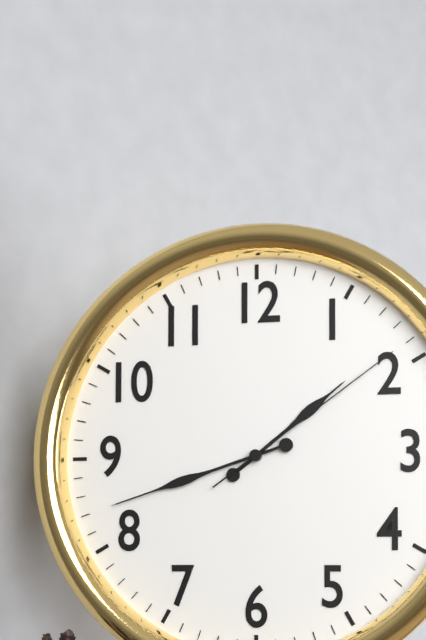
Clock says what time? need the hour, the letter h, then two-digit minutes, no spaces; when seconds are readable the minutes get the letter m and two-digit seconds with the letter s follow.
1h42m09s
